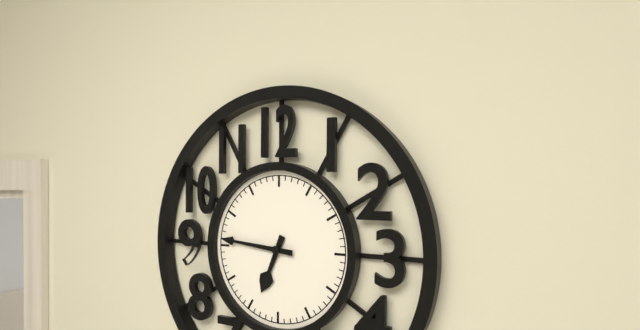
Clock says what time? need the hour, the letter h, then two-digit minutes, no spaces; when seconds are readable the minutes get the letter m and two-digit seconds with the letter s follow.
6h46
